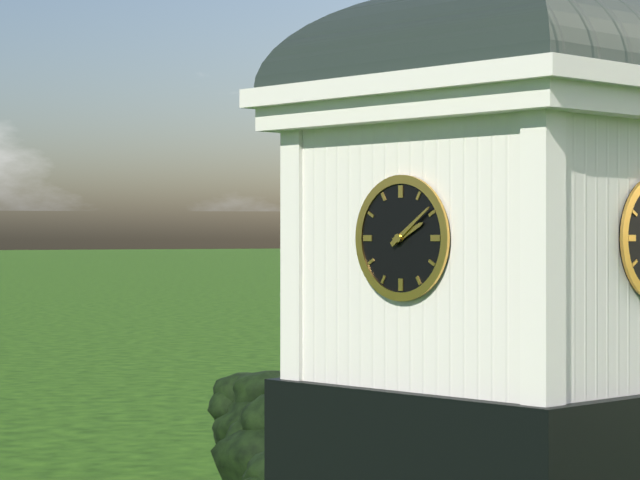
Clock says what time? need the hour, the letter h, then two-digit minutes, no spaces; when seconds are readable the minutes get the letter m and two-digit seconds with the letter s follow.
2h09
